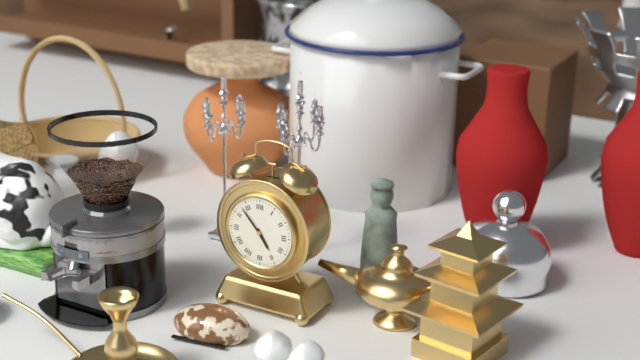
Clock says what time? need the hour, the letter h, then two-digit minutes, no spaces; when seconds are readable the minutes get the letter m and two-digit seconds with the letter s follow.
4h53
